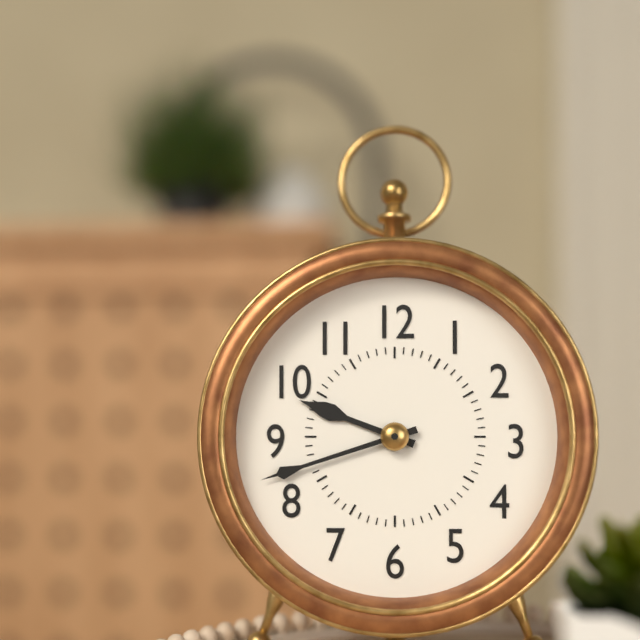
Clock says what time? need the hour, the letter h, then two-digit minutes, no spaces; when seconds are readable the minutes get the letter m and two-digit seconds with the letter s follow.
9h42
